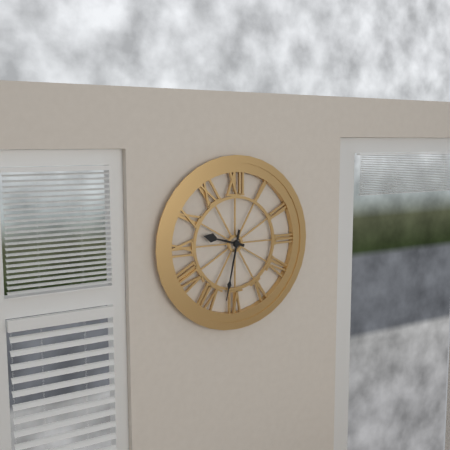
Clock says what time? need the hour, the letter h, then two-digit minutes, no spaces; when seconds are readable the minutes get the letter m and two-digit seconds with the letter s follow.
9h32
